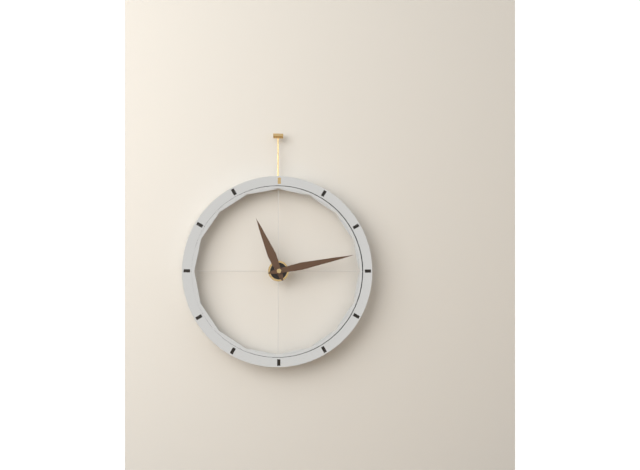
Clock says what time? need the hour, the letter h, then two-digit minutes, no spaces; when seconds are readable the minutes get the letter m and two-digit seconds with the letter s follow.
11h13
